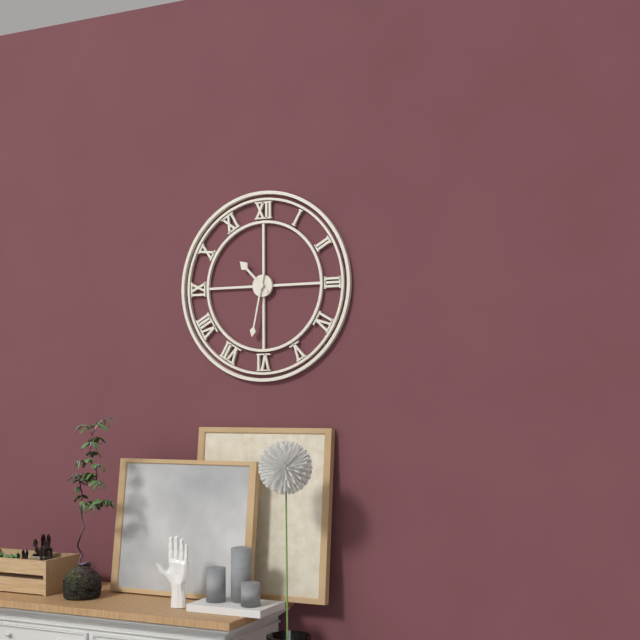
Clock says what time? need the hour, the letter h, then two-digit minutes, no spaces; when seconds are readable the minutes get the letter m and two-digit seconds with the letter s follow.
10h32
